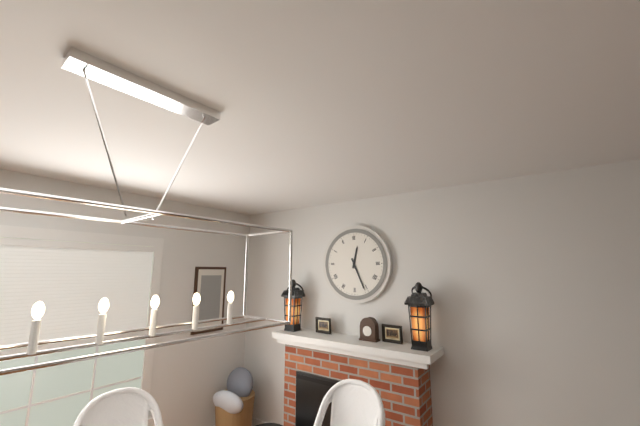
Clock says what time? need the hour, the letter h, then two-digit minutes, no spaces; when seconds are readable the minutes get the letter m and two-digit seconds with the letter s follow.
12h26
